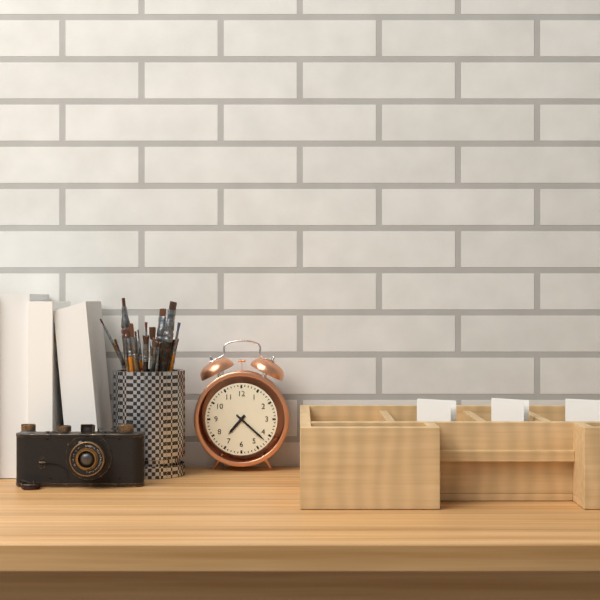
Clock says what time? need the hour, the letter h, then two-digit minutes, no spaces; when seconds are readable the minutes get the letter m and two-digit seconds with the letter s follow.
7h22
